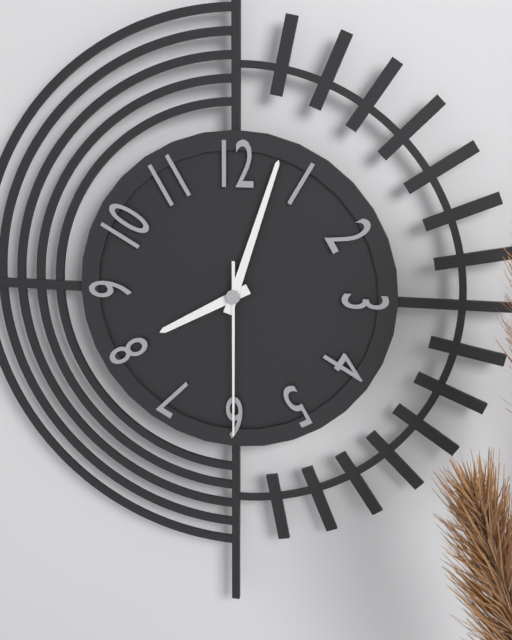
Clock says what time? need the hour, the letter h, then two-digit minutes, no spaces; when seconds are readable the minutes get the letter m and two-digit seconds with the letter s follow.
8h03m30s
